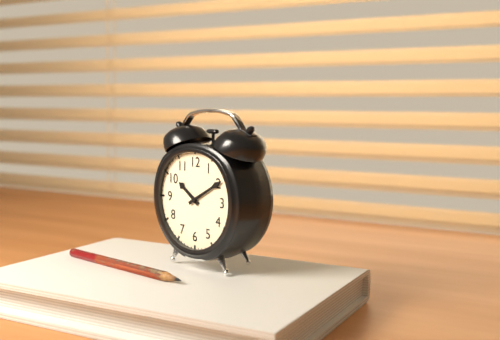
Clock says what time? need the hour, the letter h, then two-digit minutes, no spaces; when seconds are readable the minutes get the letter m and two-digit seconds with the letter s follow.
10h10
